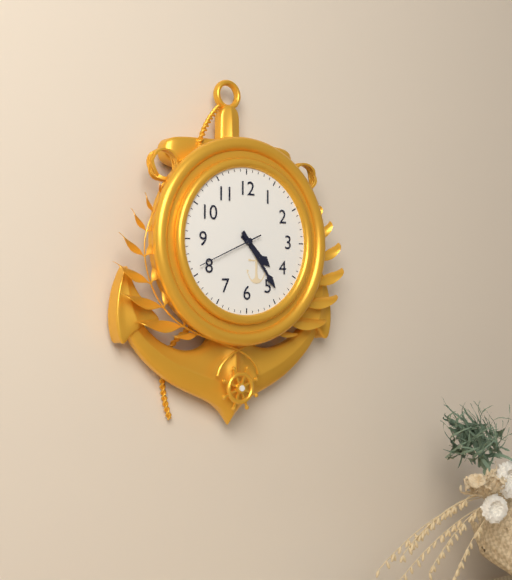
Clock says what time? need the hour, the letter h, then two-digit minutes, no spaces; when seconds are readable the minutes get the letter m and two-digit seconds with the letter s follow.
4h24m41s
